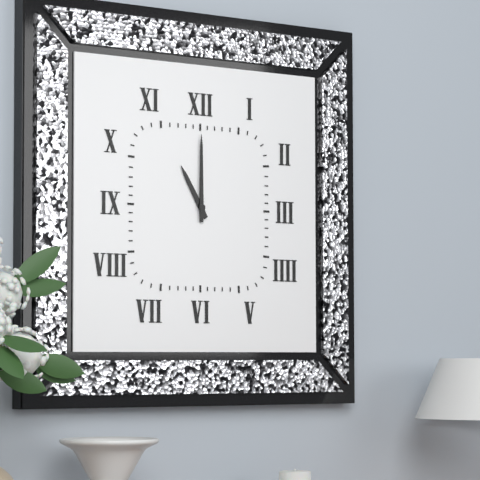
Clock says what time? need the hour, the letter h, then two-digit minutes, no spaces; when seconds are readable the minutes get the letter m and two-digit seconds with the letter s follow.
11h00
